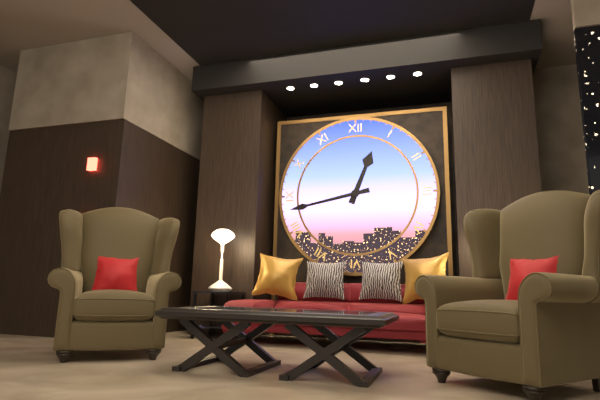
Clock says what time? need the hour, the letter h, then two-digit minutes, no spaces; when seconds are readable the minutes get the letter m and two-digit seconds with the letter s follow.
12h43
